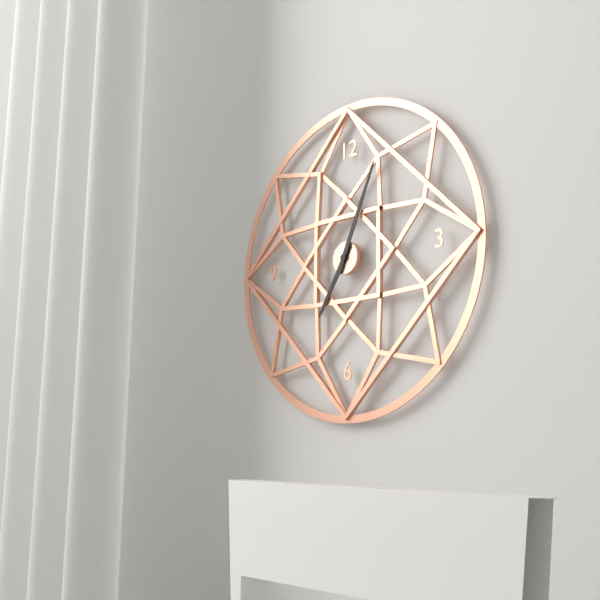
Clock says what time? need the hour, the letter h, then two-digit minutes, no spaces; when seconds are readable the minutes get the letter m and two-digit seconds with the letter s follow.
7h04
